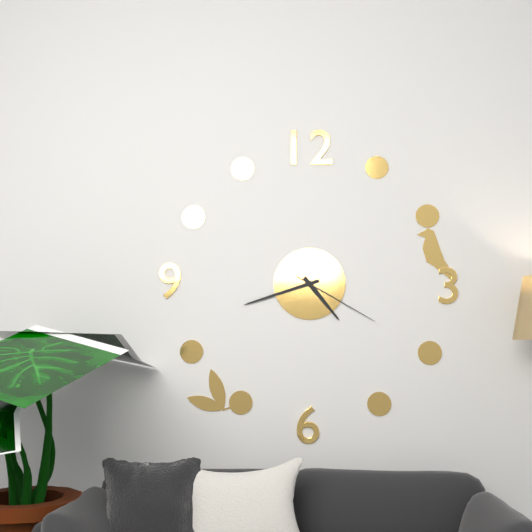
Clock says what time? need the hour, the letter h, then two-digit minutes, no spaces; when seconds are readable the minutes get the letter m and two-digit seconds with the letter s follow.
4h42m20s
